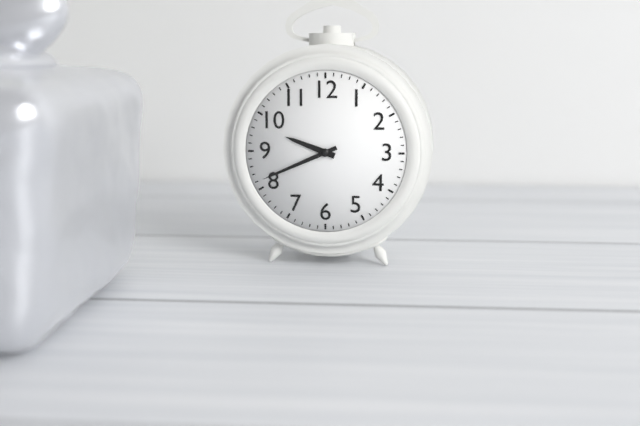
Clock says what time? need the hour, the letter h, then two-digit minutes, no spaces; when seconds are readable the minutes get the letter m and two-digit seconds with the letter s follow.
9h41
